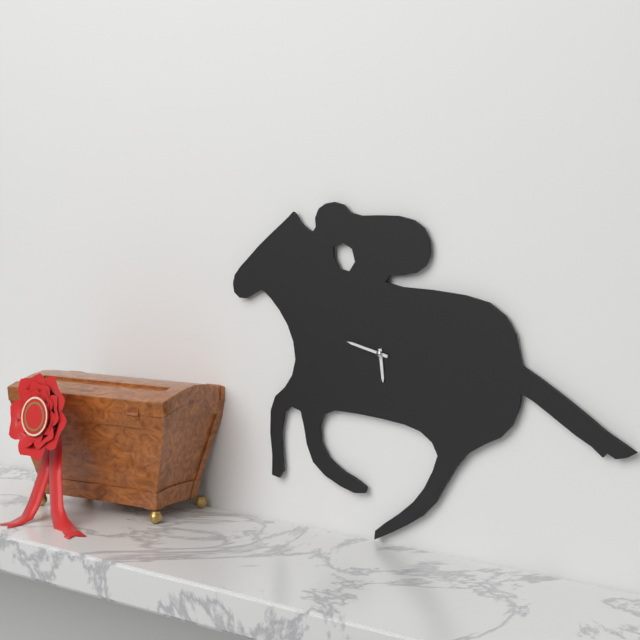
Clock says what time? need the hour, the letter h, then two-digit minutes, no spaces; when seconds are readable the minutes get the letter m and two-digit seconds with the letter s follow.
5h47
